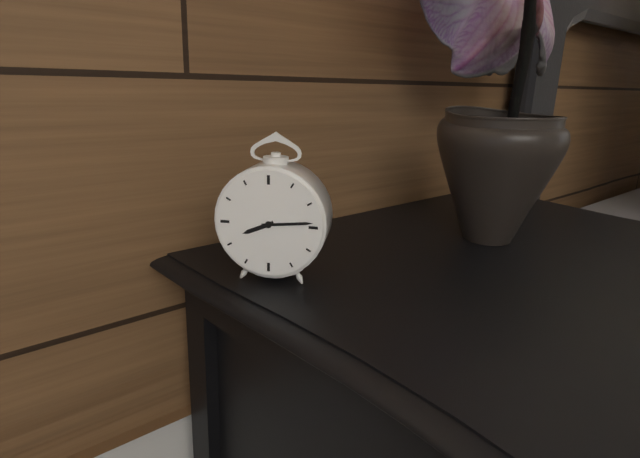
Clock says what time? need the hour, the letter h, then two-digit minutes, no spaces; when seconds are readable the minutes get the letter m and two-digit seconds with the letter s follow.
8h14
